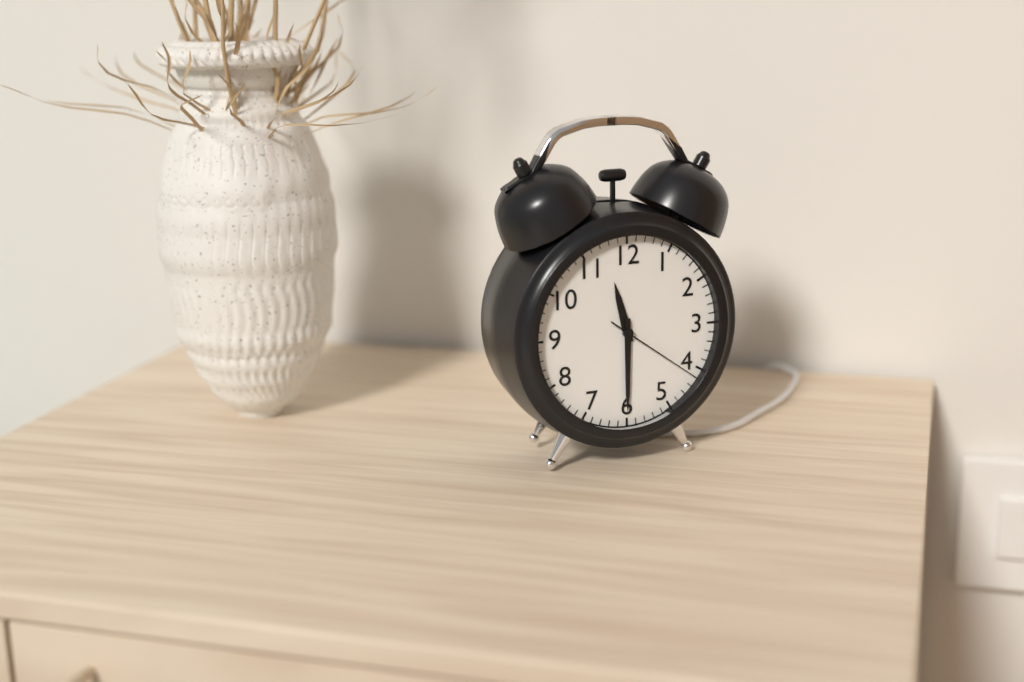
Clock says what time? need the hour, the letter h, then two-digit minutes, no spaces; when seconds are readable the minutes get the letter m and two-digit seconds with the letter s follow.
11h30m21s
